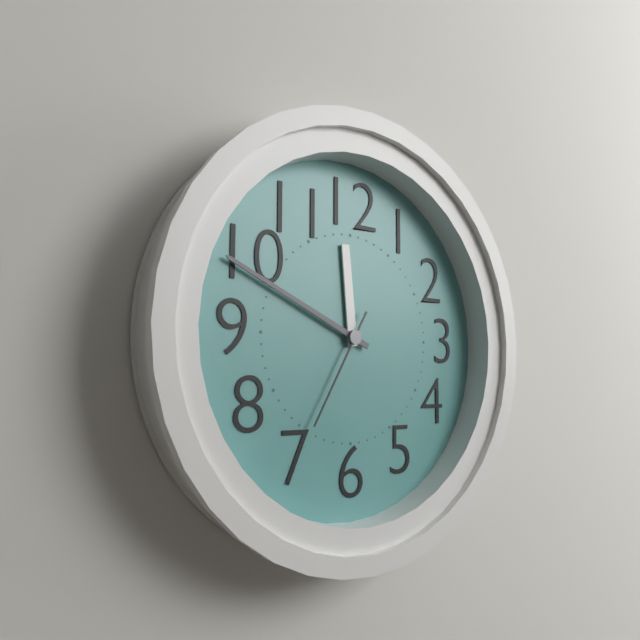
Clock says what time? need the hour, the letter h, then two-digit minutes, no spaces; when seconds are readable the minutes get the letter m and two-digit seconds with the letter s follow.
11h49m35s
